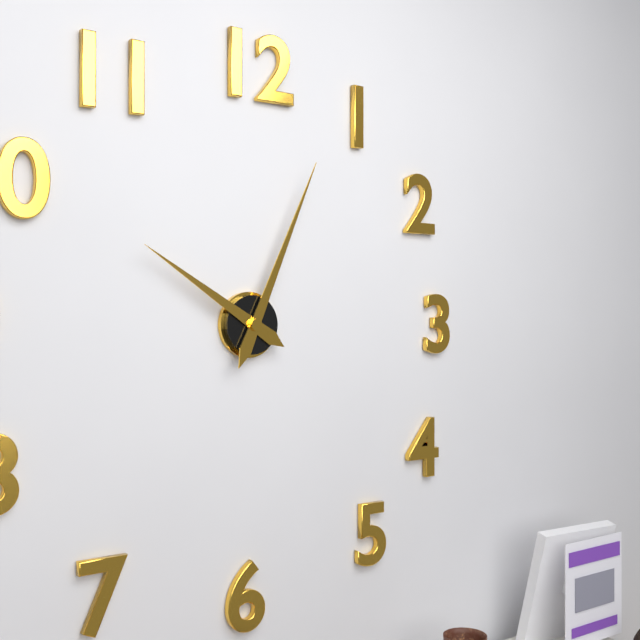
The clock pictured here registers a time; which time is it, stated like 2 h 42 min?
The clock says 10 h 04 min
